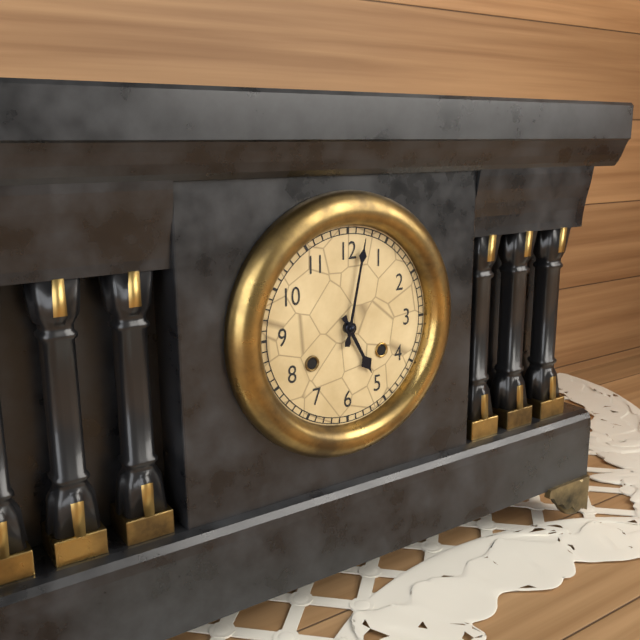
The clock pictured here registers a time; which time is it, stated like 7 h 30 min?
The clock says 5 h 02 min
